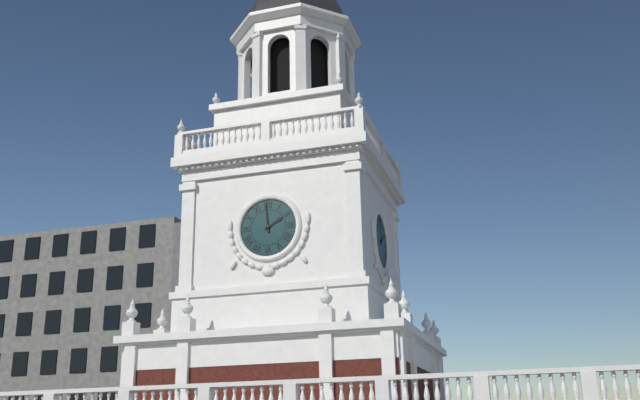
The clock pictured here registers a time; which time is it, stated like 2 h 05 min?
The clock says 1 h 59 min
